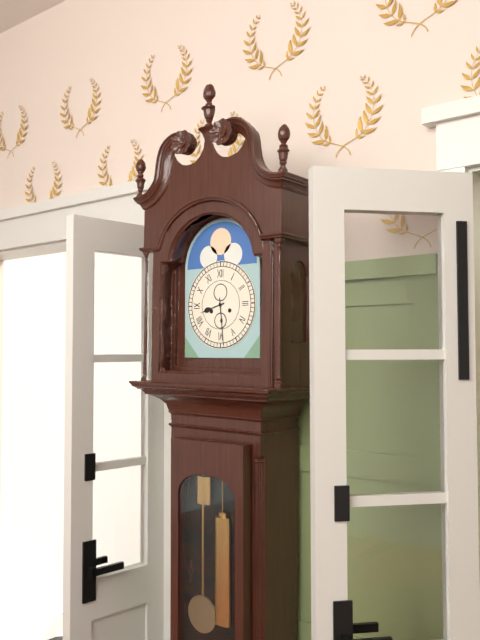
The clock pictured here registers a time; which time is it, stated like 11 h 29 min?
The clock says 8 h 29 min
